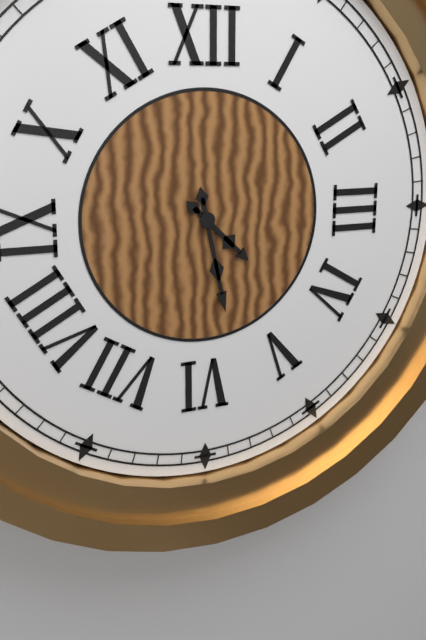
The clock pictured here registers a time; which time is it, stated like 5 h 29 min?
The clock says 4 h 28 min
